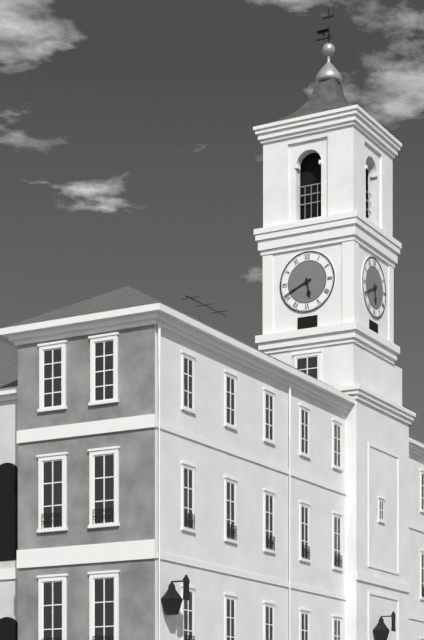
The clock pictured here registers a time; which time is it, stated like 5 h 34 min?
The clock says 5 h 41 min
